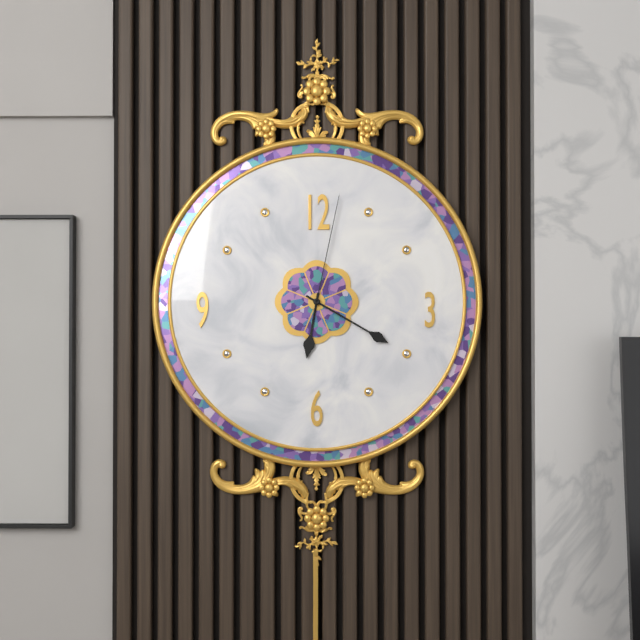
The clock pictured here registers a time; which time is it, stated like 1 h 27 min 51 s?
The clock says 6 h 20 min 02 s
